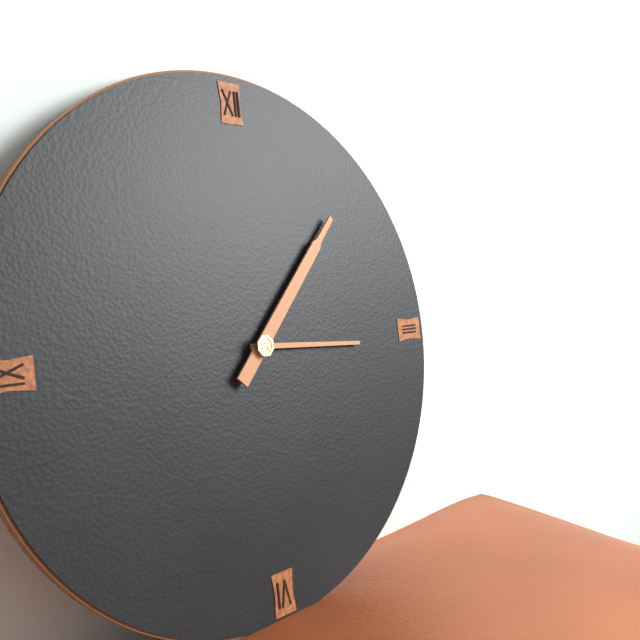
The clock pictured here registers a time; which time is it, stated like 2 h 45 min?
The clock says 3 h 07 min
